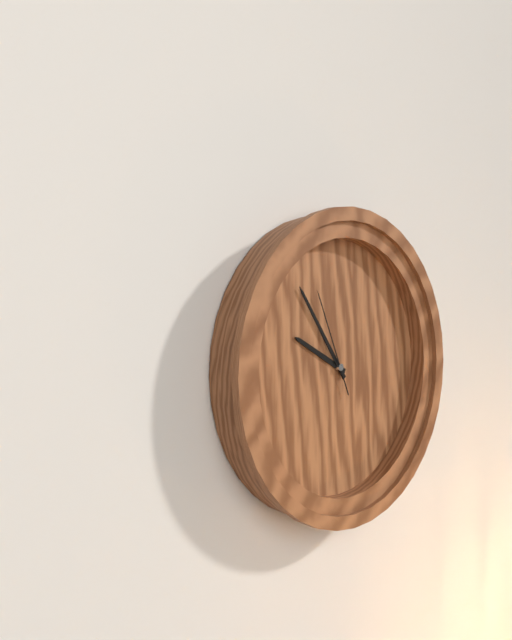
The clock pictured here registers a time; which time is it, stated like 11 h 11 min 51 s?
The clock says 9 h 54 min 56 s
